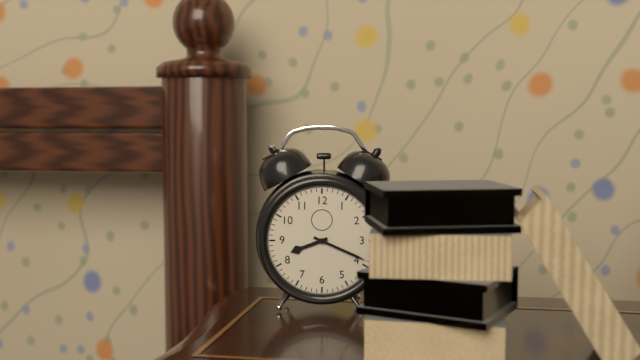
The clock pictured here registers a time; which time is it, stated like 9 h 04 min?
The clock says 8 h 19 min
